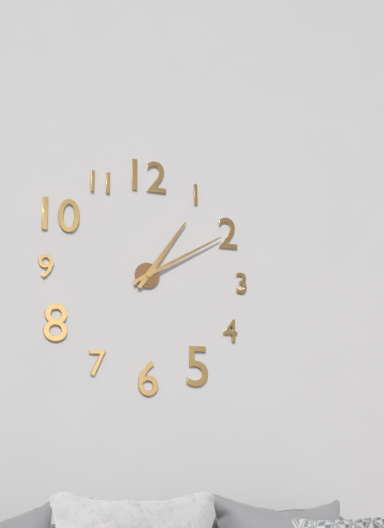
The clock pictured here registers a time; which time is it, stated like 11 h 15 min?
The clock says 1 h 10 min
